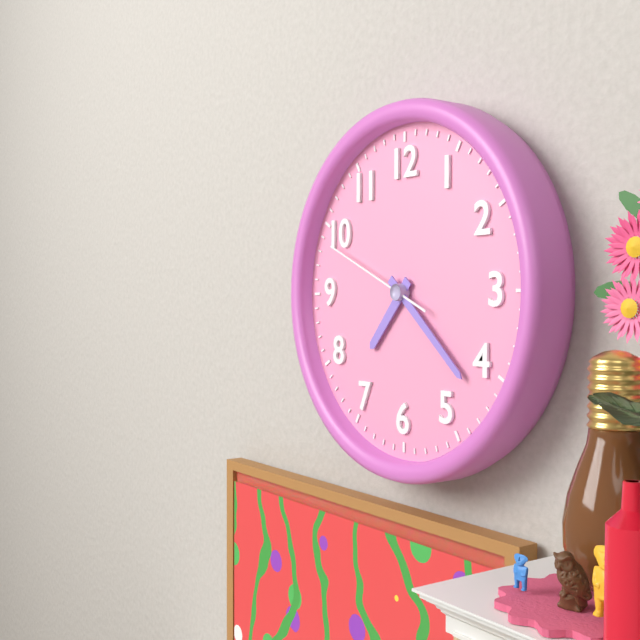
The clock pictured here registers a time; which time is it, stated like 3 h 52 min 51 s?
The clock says 7 h 22 min 49 s
